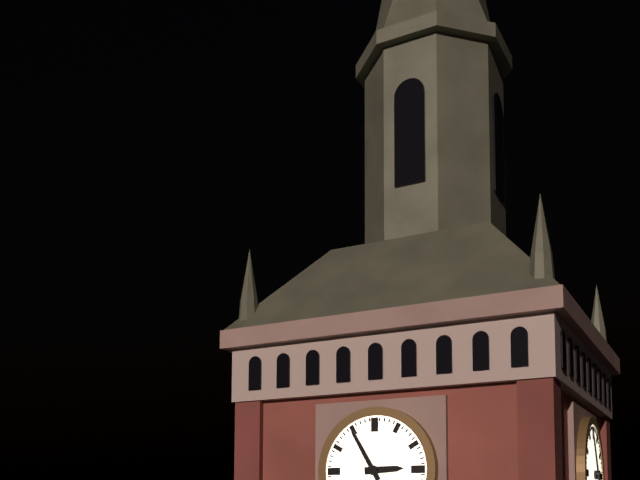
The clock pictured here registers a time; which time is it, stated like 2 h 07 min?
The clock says 2 h 55 min
